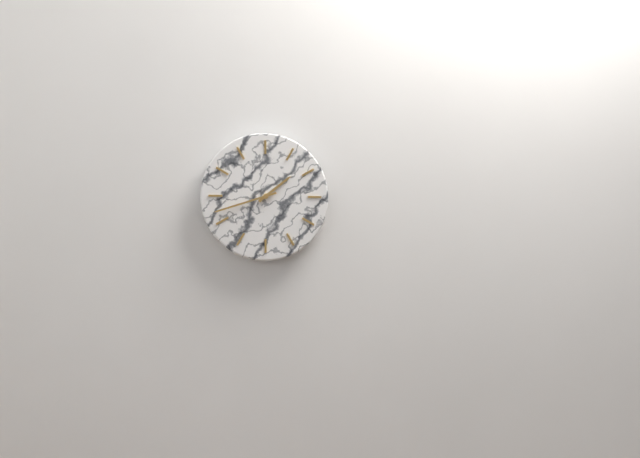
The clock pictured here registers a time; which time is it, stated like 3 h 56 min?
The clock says 1 h 42 min
